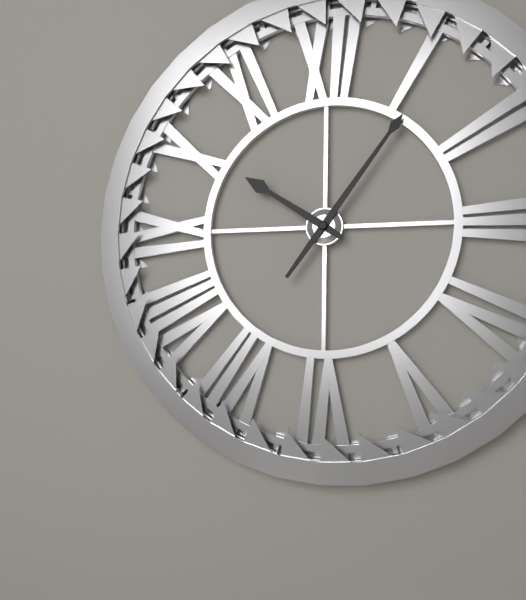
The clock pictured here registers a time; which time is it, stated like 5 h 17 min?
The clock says 10 h 06 min
